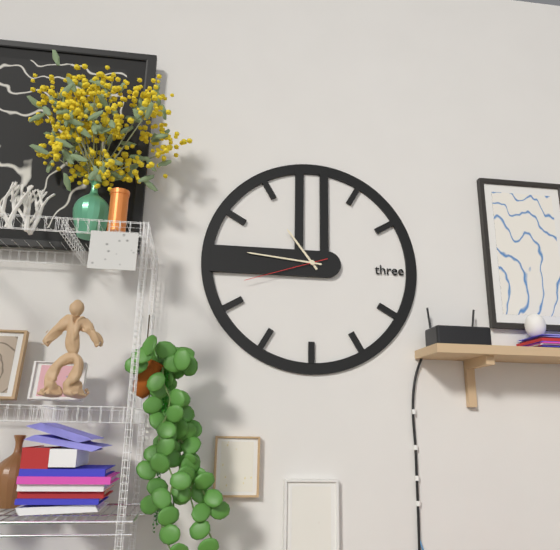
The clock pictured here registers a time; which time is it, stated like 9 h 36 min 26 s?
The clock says 10 h 46 min 42 s
